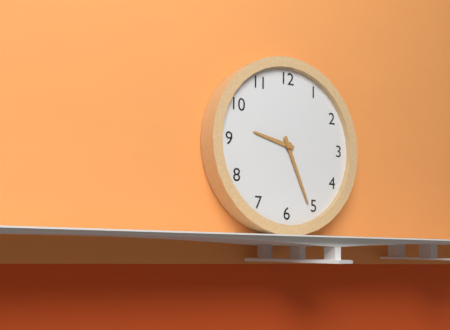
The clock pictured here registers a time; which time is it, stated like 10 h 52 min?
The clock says 9 h 26 min
